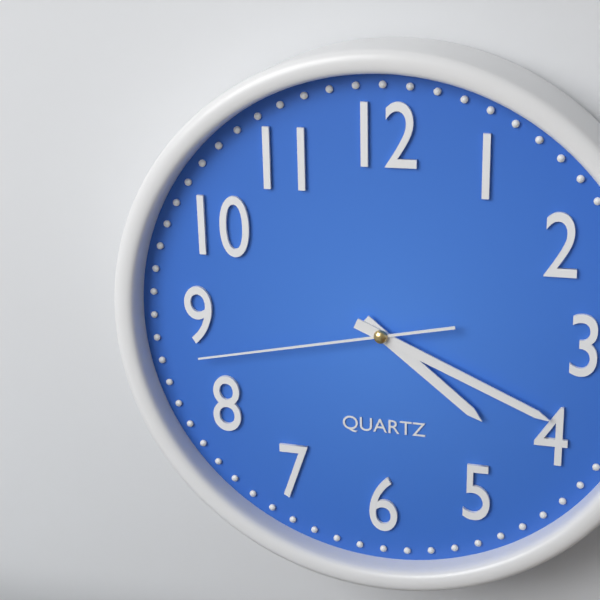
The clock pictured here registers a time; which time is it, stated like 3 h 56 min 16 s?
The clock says 4 h 19 min 43 s
